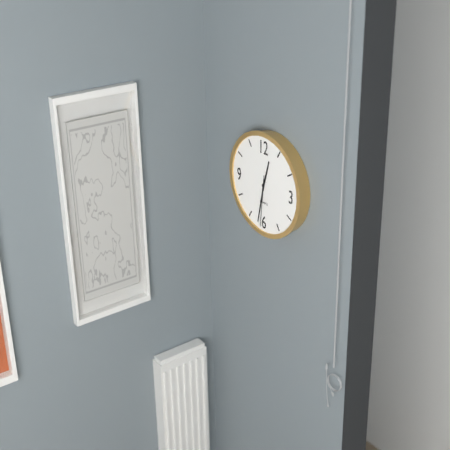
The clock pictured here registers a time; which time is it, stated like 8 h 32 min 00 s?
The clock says 12 h 32 min 31 s
